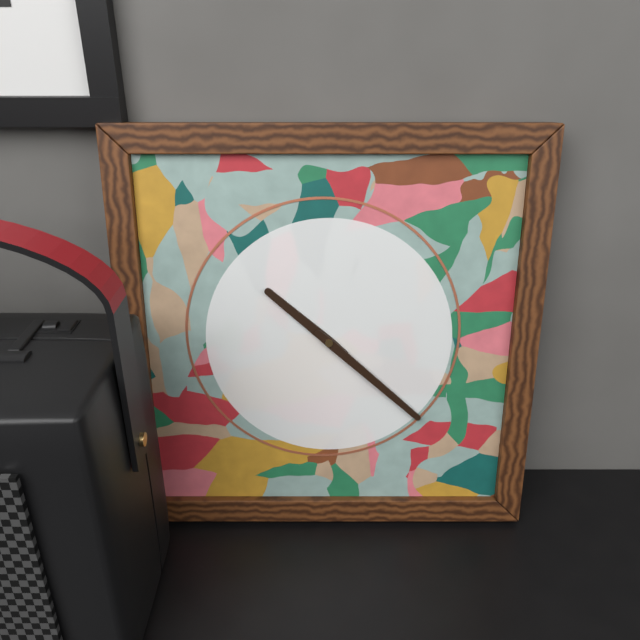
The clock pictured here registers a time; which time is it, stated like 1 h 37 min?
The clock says 10 h 22 min
